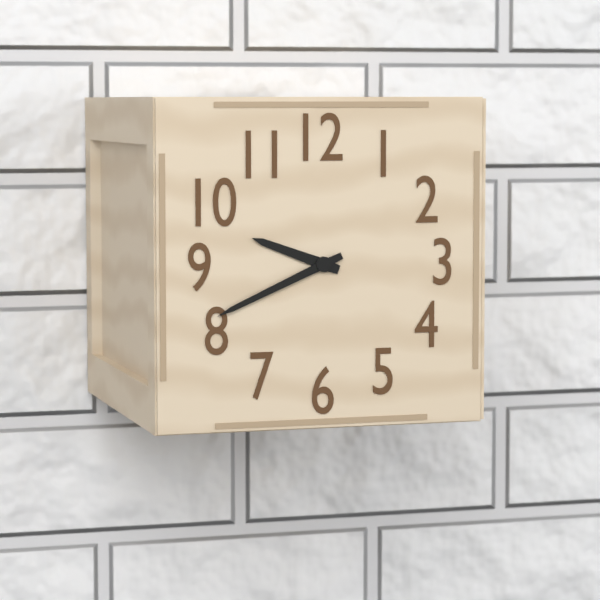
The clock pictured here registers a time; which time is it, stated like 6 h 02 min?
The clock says 9 h 41 min
